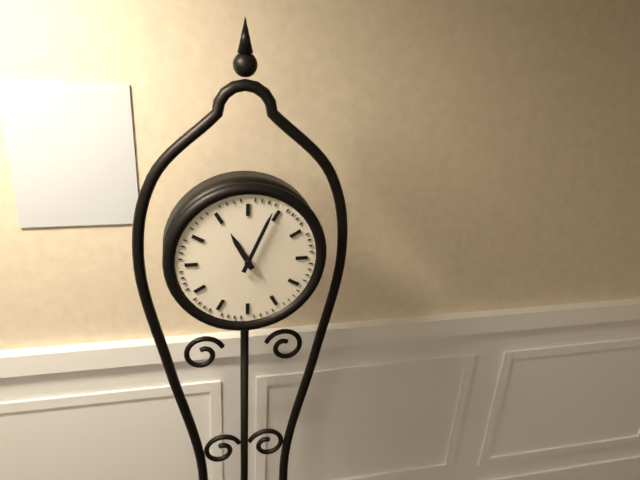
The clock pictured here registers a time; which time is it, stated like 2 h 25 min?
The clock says 11 h 04 min
